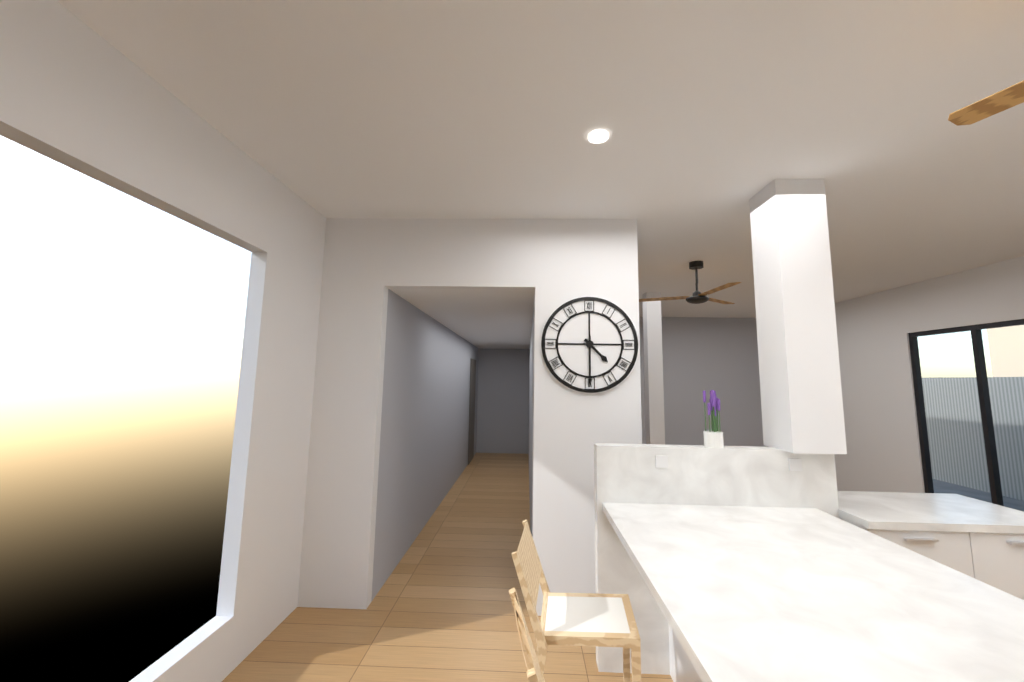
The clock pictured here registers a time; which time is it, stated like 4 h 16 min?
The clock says 4 h 30 min
